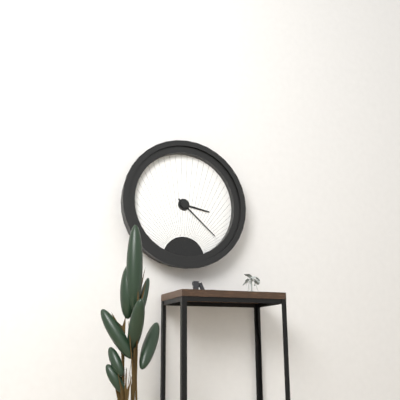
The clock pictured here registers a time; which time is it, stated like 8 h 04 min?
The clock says 3 h 22 min
